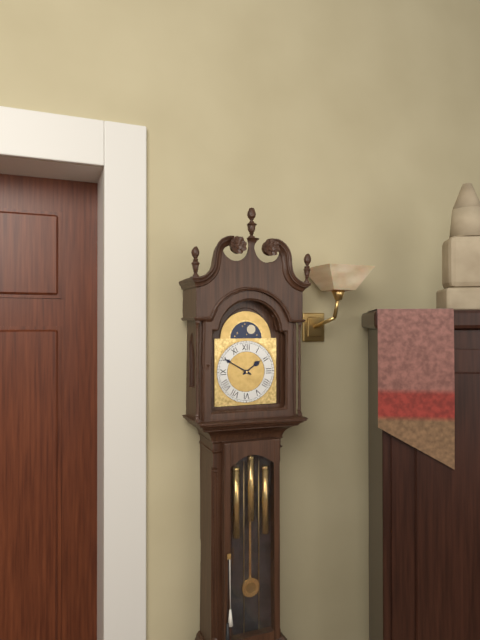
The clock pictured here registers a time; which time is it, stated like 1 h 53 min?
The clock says 1 h 50 min
